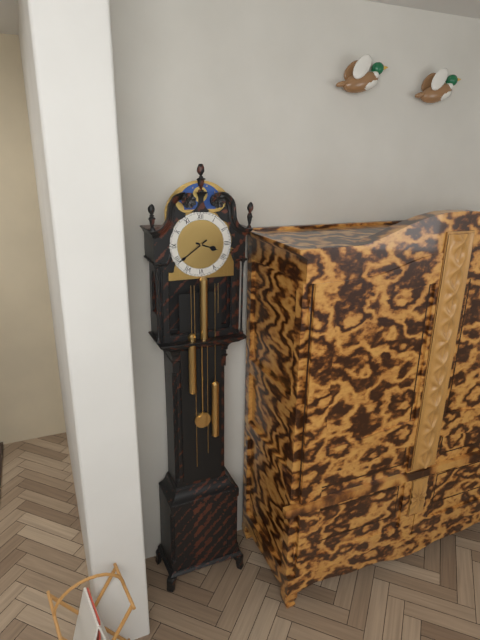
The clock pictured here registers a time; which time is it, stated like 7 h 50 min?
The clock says 3 h 39 min
